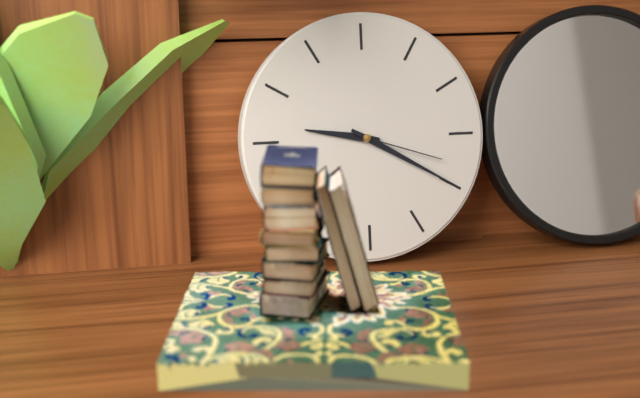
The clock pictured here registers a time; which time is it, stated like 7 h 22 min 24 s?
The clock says 9 h 20 min 18 s
